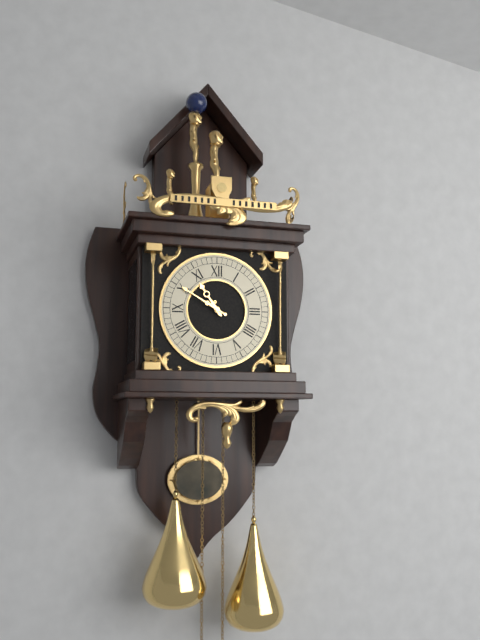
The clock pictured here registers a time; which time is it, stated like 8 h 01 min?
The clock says 10 h 50 min
